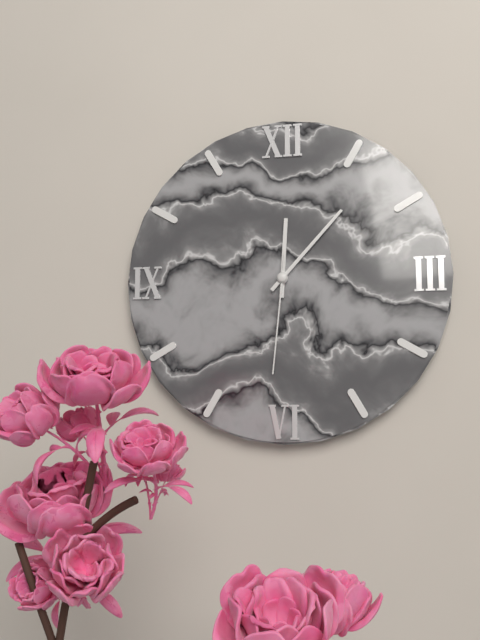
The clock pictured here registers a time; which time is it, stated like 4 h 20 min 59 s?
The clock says 12 h 07 min 31 s
